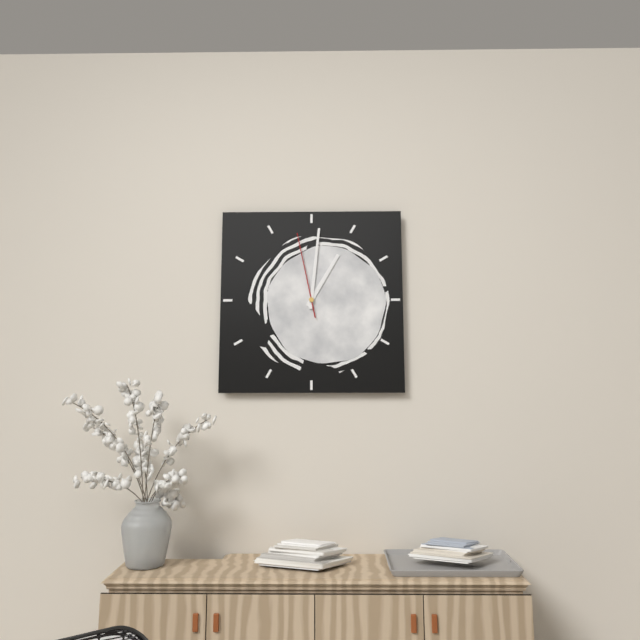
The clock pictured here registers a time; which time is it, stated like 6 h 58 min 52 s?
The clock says 1 h 01 min 58 s
